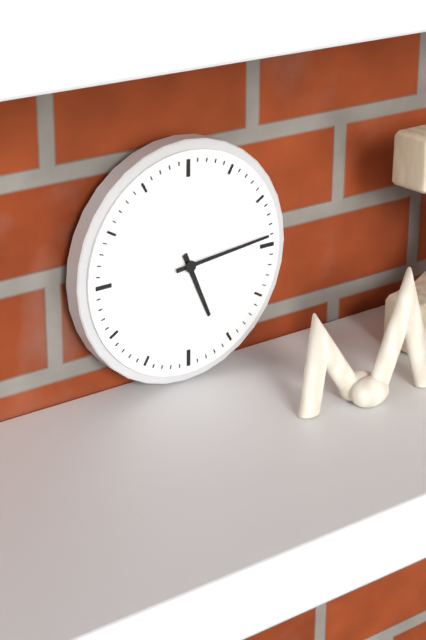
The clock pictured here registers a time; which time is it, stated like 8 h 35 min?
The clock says 5 h 14 min
